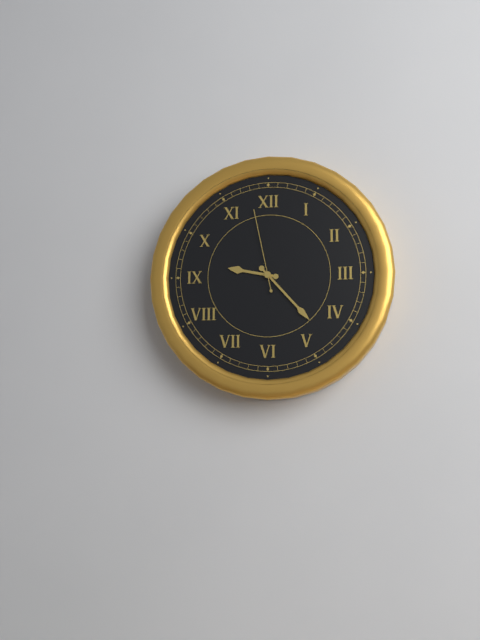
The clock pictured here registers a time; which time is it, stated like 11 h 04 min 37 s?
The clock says 9 h 23 min 58 s
